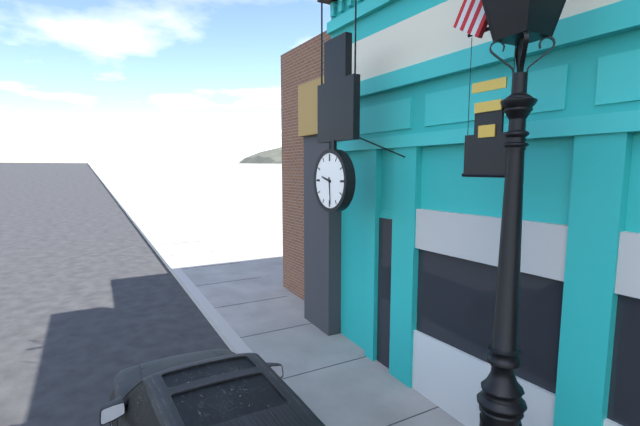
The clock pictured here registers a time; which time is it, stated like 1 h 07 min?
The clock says 9 h 29 min
